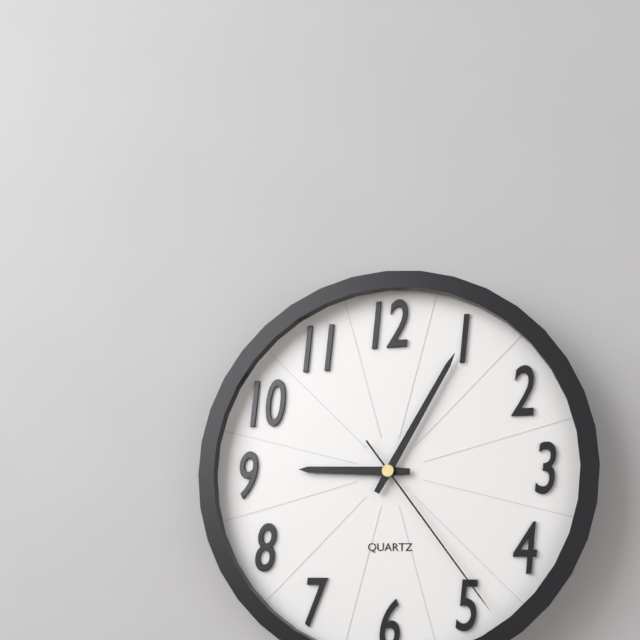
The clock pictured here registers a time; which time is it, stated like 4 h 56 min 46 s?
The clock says 9 h 05 min 24 s
